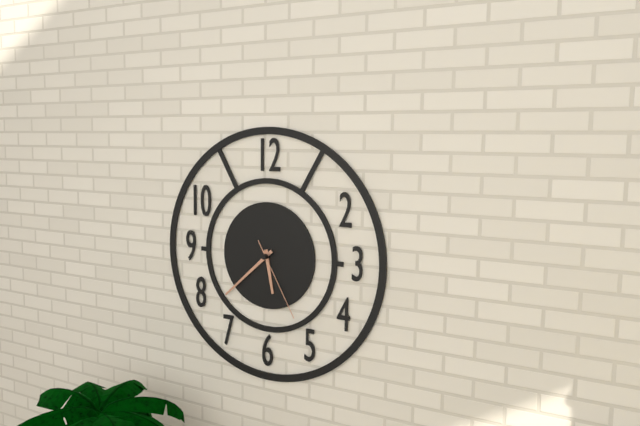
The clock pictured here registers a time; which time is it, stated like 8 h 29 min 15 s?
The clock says 5 h 38 min 25 s
